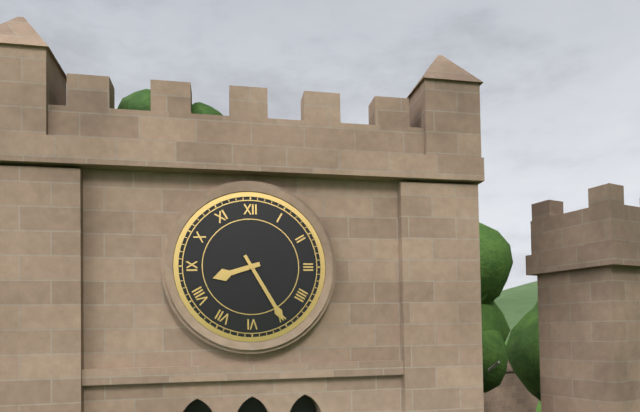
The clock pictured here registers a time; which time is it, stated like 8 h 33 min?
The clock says 8 h 25 min
